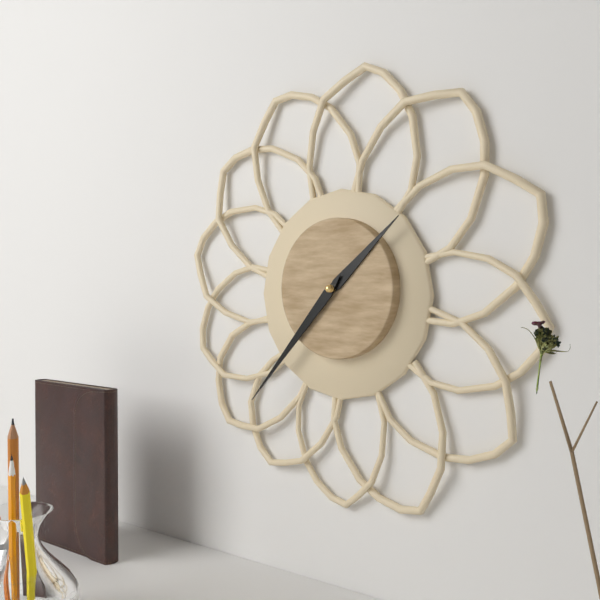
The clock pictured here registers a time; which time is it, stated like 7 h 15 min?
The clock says 1 h 37 min
